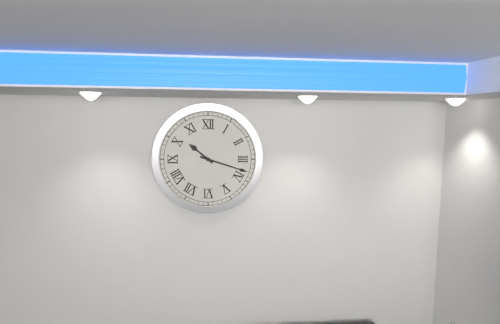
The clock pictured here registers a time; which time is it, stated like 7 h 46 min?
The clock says 10 h 18 min
